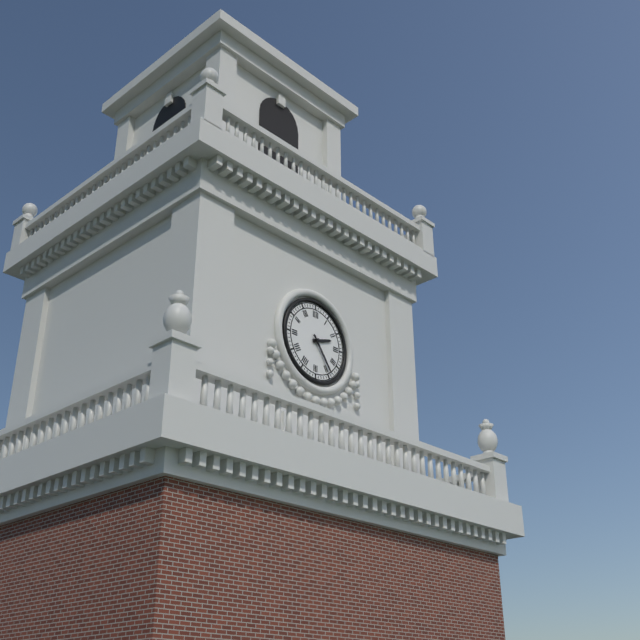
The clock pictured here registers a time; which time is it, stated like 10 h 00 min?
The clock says 2 h 24 min
